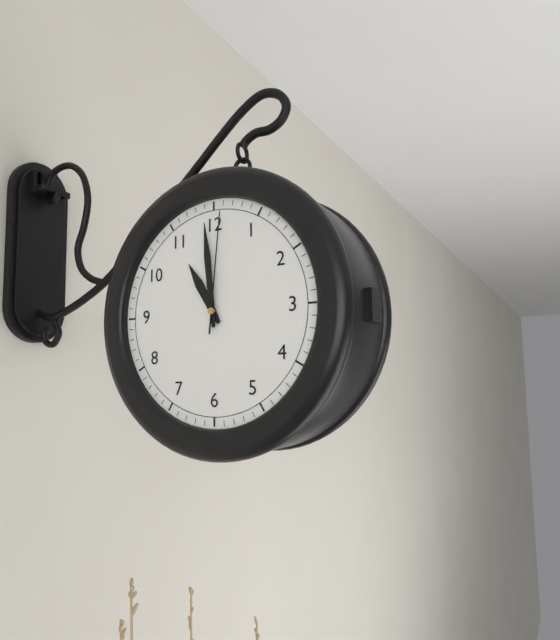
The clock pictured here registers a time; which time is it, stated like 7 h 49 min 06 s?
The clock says 10 h 59 min 01 s
